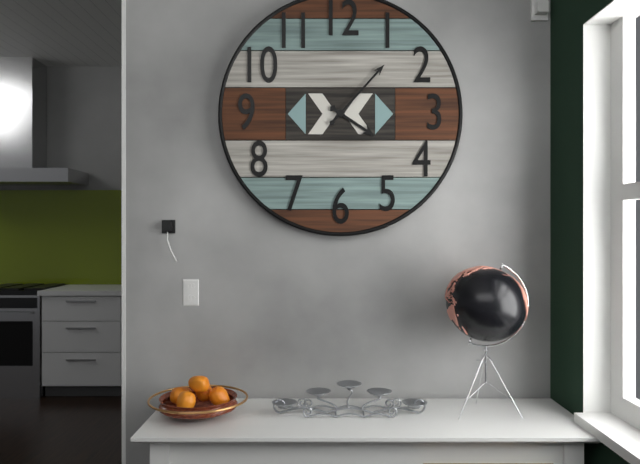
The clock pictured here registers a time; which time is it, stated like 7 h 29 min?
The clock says 4 h 07 min
